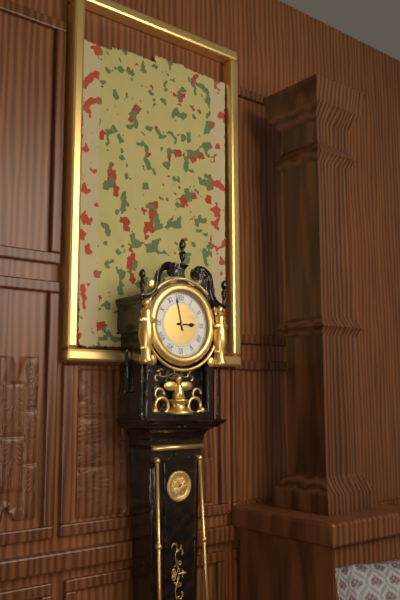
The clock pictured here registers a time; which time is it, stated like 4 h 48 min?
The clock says 2 h 58 min
